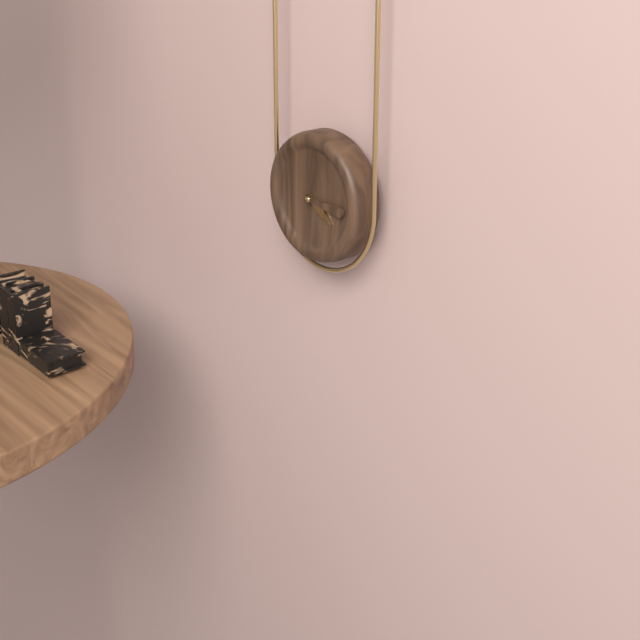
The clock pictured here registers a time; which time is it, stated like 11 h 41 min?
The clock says 4 h 16 min
